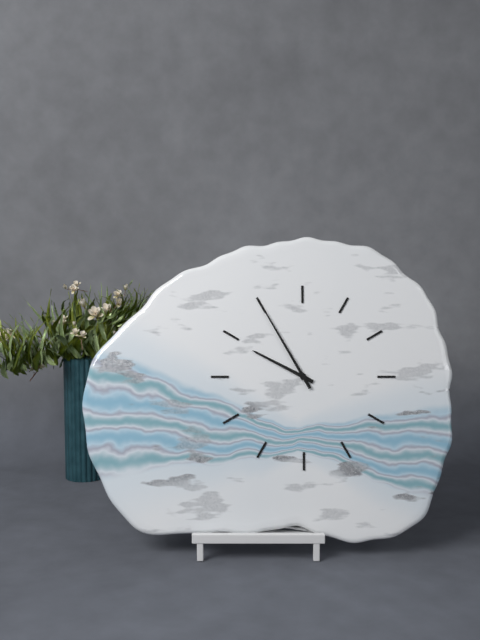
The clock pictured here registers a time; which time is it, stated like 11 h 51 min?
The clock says 9 h 55 min
